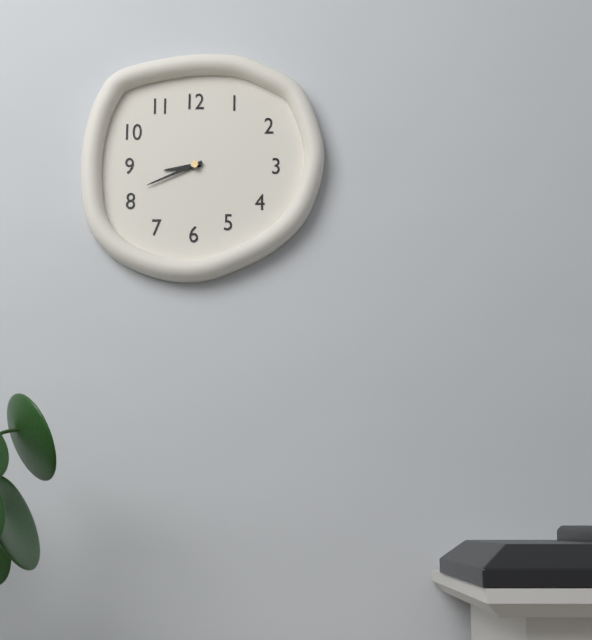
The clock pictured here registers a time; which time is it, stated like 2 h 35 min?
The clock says 8 h 41 min
